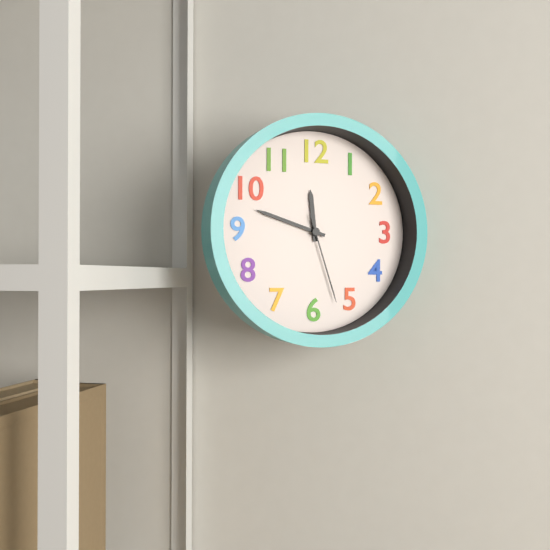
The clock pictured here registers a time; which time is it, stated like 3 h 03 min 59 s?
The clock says 11 h 48 min 27 s
